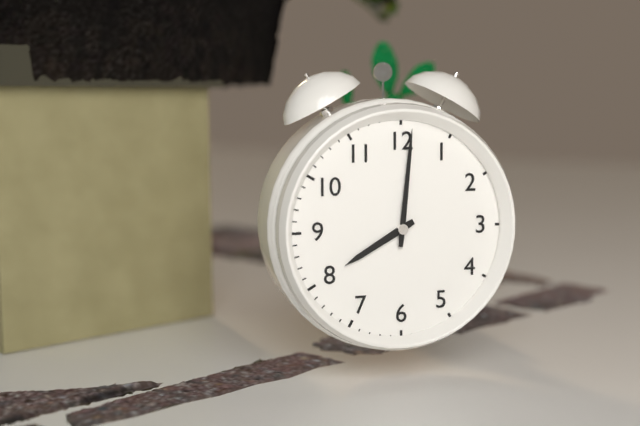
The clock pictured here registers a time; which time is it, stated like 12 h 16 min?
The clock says 8 h 01 min
